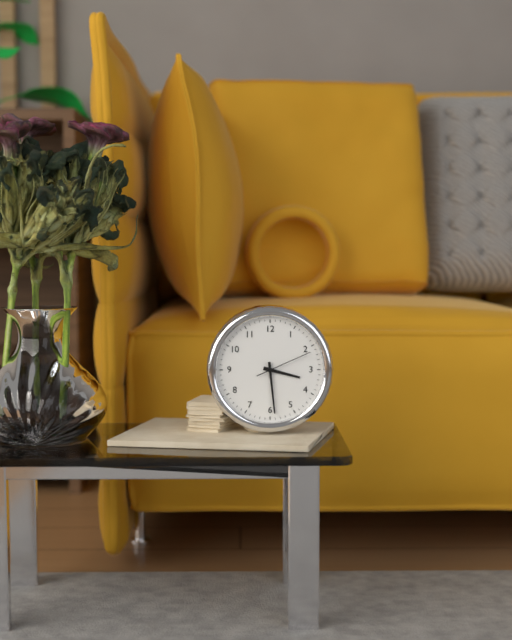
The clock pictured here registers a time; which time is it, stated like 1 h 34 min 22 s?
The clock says 3 h 29 min 11 s
